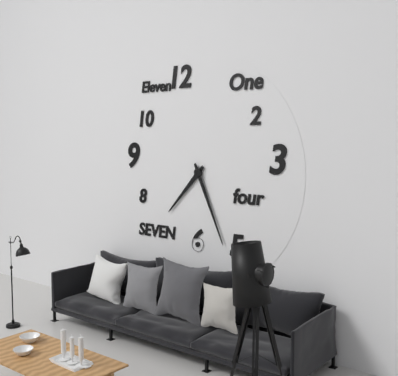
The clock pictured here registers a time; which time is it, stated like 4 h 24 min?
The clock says 7 h 26 min
